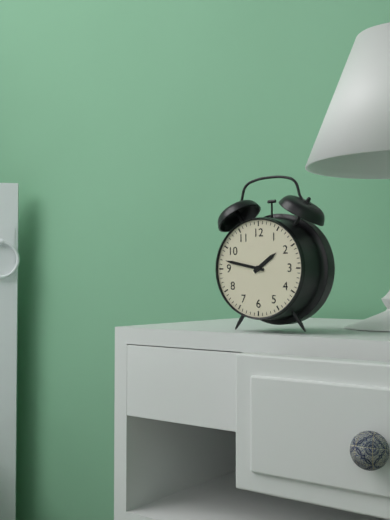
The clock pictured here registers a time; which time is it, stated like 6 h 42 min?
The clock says 1 h 47 min
